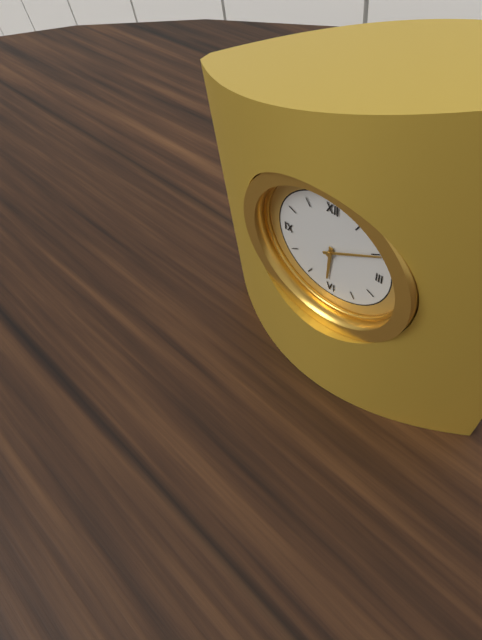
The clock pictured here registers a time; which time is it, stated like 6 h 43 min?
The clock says 6 h 10 min
